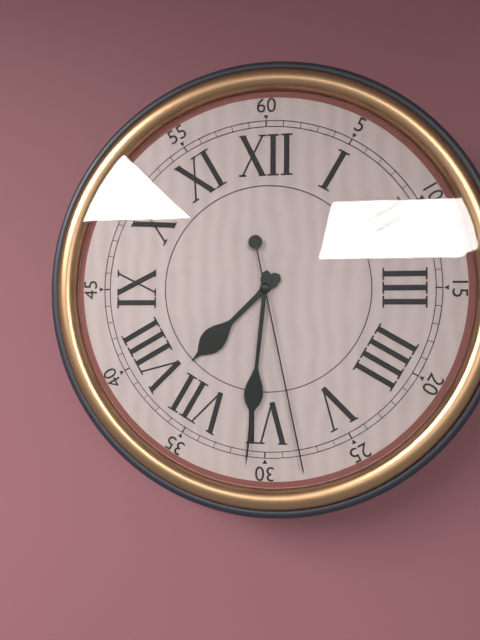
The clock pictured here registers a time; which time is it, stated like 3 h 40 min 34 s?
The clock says 7 h 31 min 28 s
